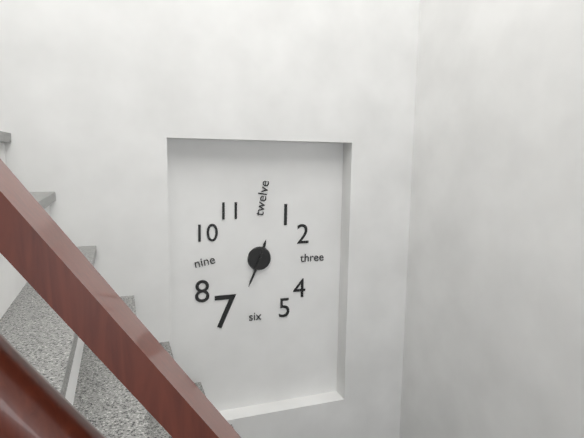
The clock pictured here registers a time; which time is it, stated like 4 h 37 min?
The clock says 12 h 34 min
